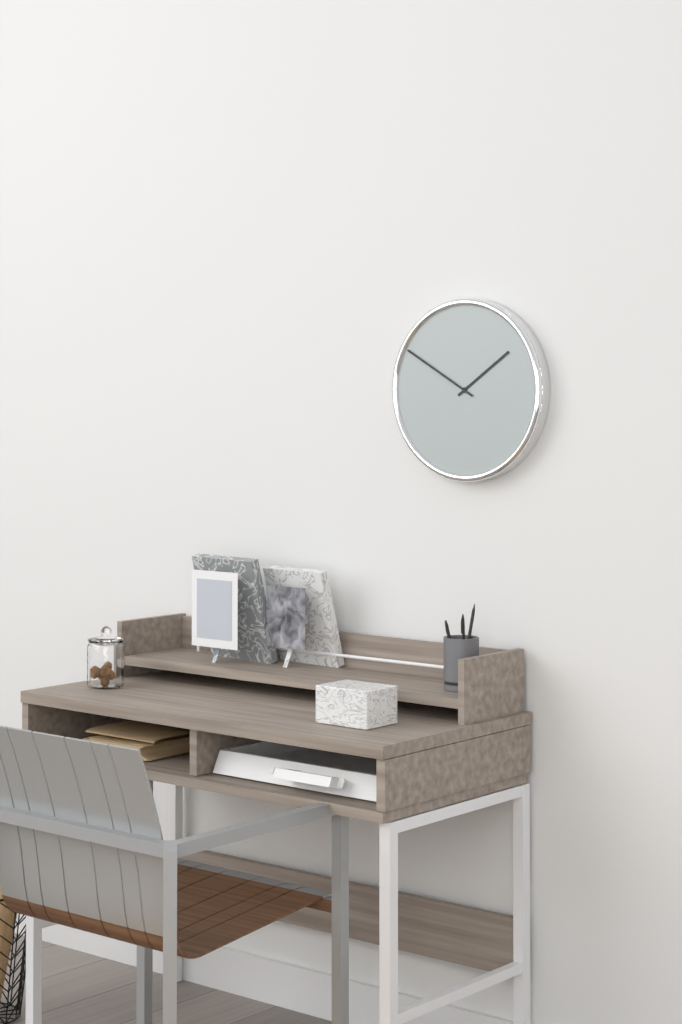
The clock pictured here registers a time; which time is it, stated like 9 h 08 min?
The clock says 1 h 50 min
